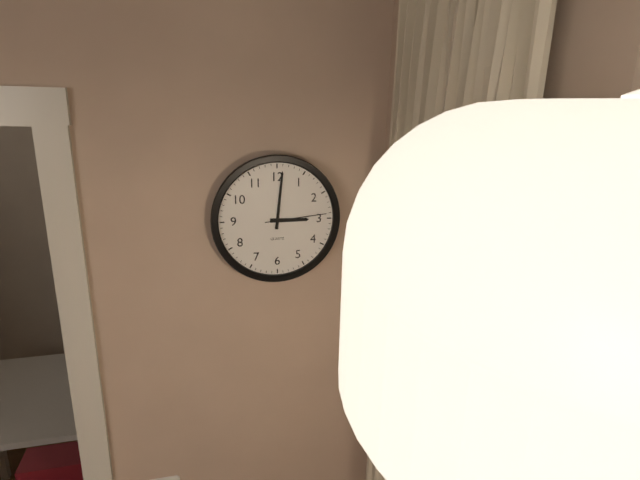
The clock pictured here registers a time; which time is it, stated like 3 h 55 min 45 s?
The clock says 3 h 01 min 14 s
